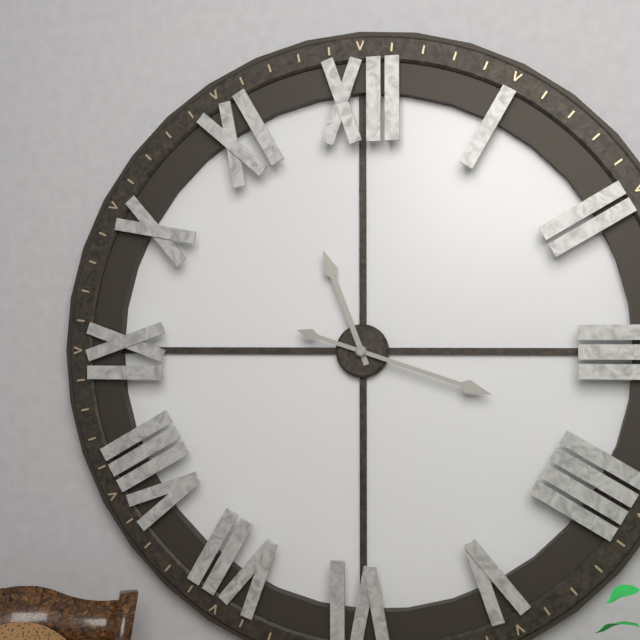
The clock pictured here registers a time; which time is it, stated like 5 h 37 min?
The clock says 11 h 18 min
